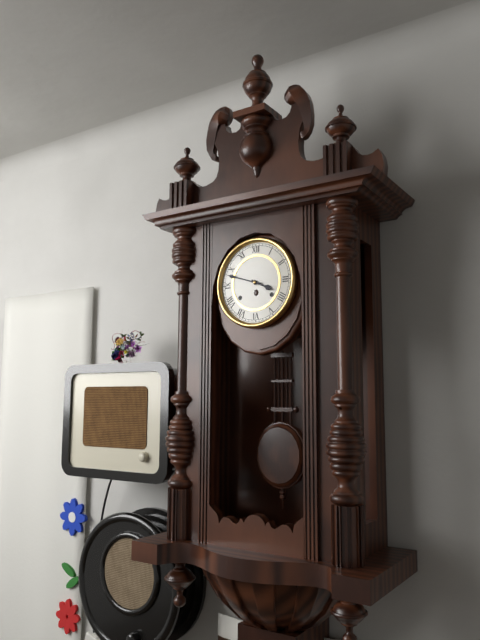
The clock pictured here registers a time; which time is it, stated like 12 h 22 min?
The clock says 3 h 48 min
